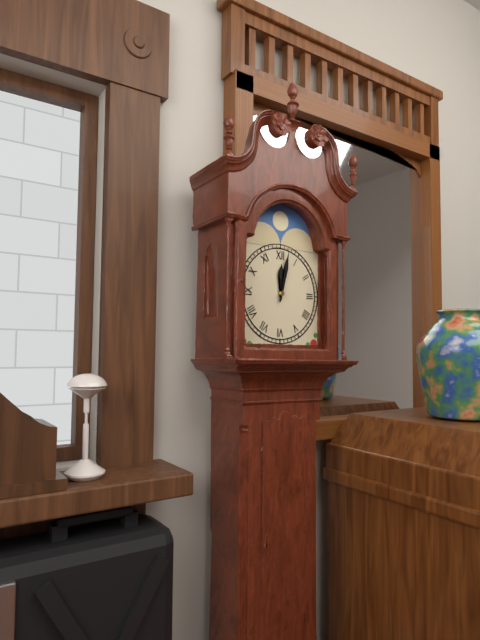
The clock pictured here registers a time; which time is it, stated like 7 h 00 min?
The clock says 12 h 02 min
